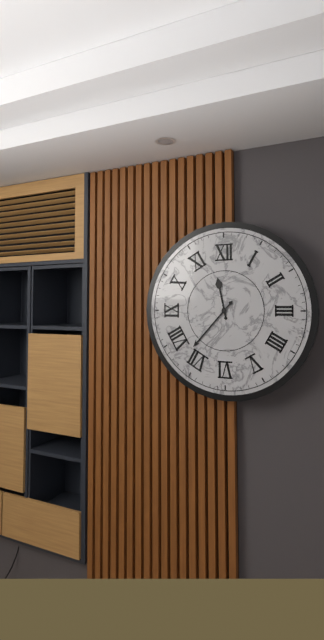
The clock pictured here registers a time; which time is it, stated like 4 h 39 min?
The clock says 11 h 37 min
